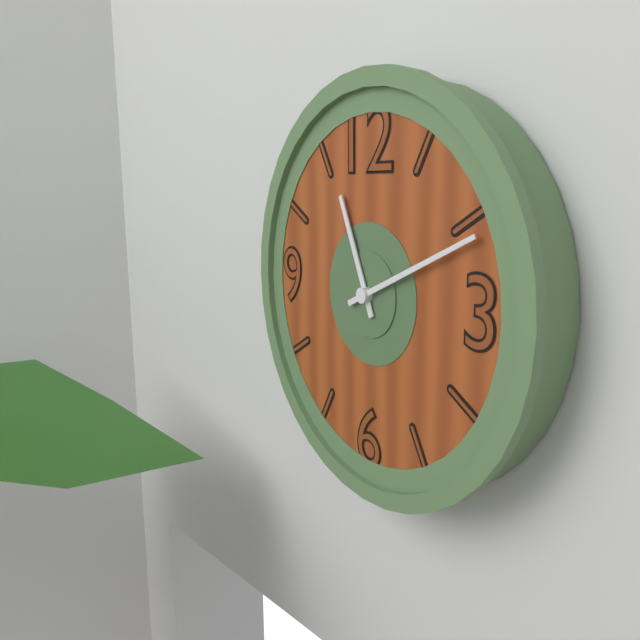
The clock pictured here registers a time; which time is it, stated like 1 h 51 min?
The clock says 11 h 11 min
